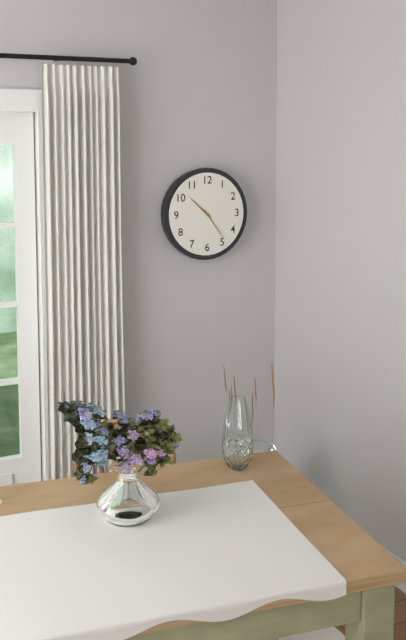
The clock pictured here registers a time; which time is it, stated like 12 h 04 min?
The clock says 10 h 24 min
